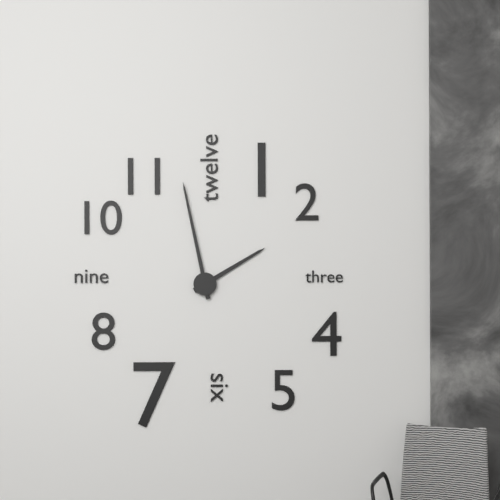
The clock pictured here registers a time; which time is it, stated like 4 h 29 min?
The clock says 1 h 58 min
